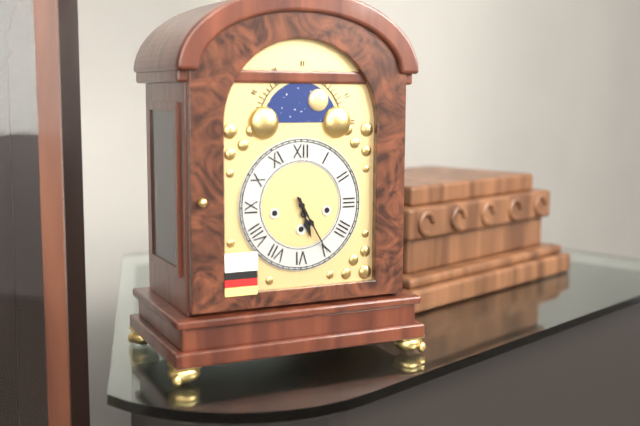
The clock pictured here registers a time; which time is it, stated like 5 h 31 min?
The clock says 5 h 25 min
